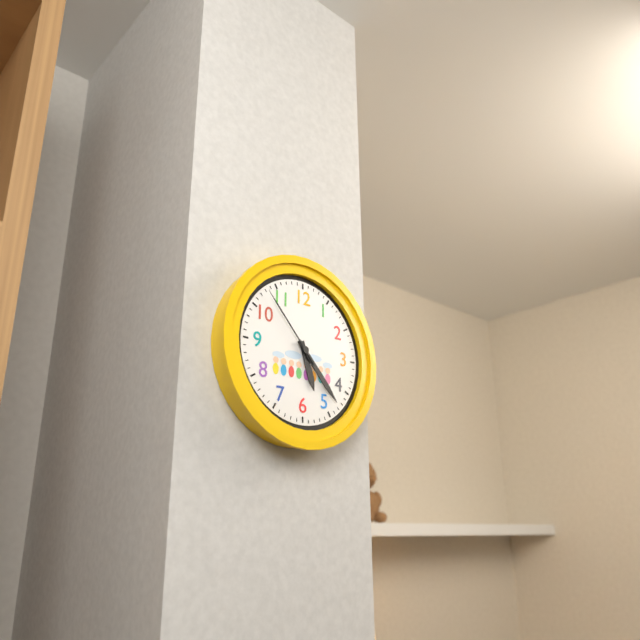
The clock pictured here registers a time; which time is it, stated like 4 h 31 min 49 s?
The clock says 5 h 23 min 53 s
